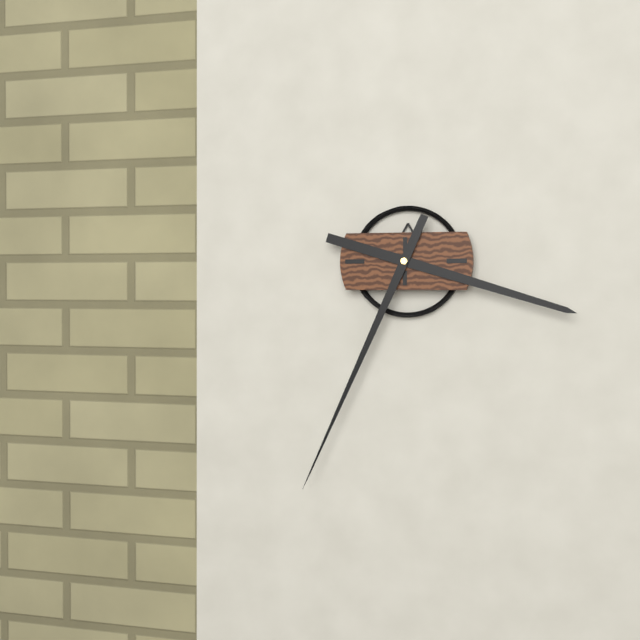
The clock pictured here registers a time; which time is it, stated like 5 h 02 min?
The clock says 3 h 34 min
